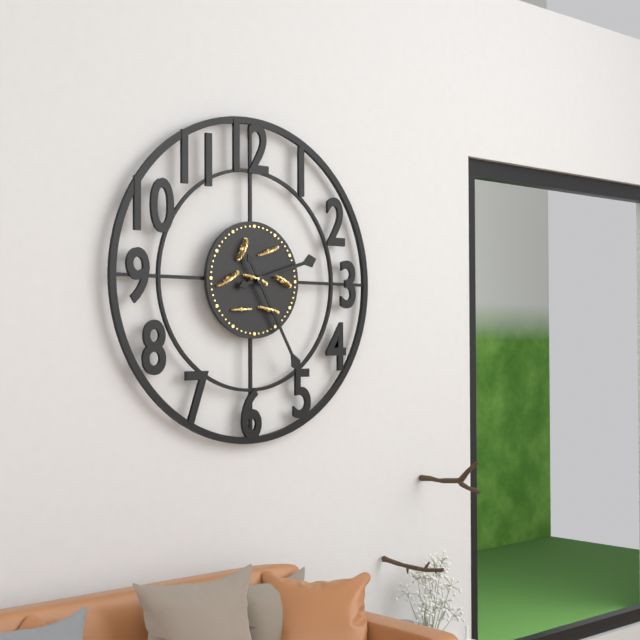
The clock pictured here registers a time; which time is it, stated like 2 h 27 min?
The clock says 2 h 25 min
